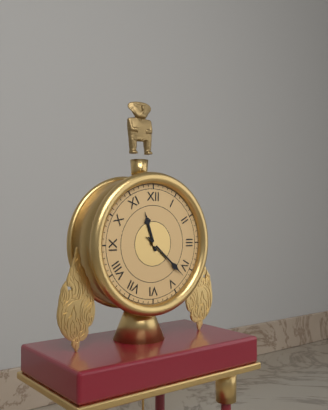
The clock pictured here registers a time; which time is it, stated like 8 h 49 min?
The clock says 11 h 22 min
